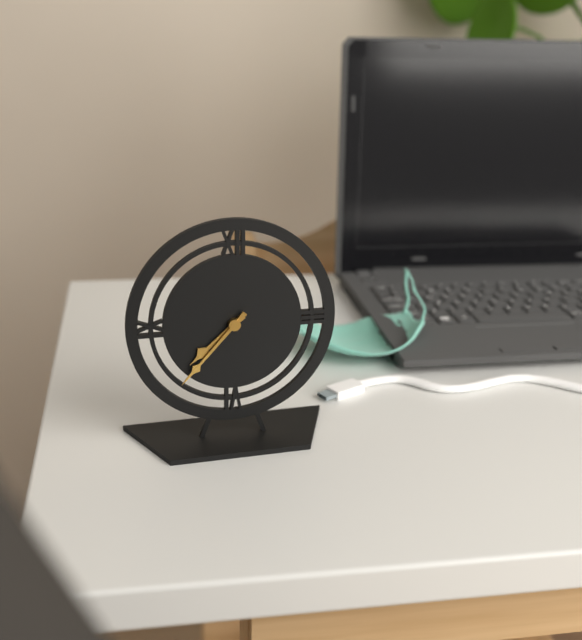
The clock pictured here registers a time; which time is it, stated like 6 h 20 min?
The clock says 7 h 37 min
